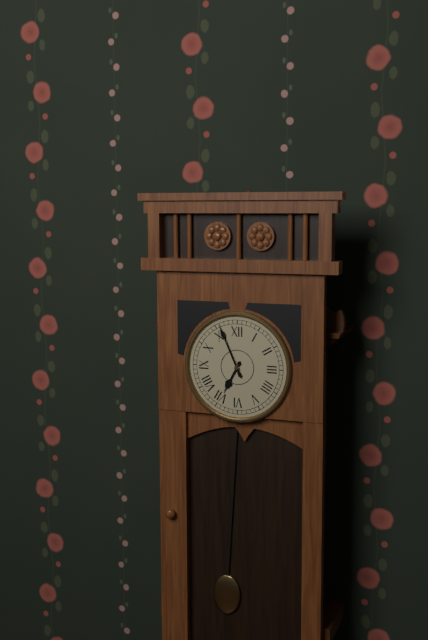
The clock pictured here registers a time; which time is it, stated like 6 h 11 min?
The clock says 6 h 56 min
